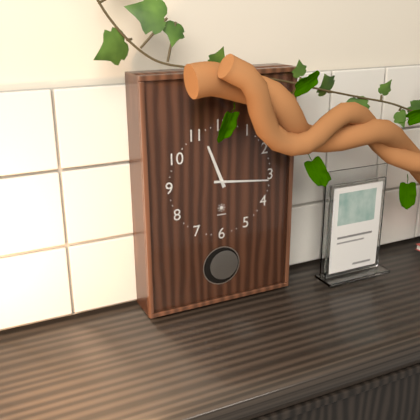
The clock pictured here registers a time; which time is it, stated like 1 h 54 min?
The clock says 11 h 16 min
